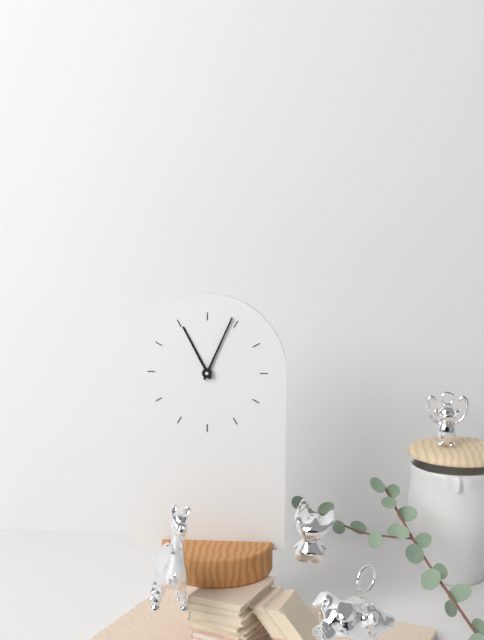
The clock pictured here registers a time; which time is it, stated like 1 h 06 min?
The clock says 11 h 04 min
